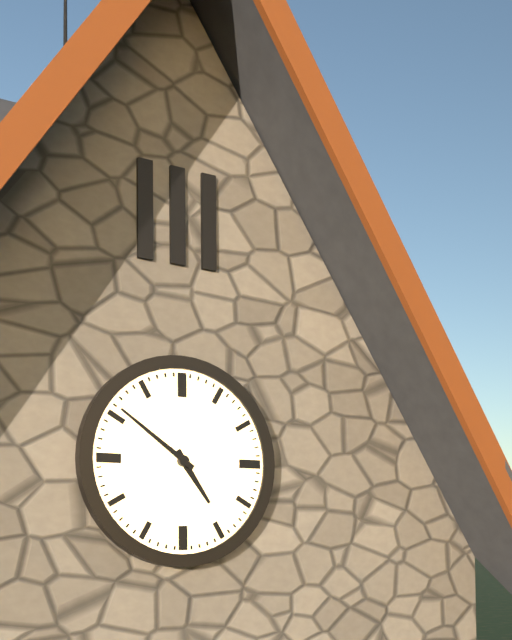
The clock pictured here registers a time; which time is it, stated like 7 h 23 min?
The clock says 4 h 51 min
